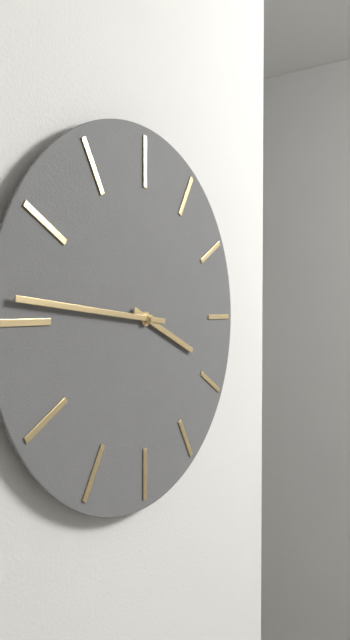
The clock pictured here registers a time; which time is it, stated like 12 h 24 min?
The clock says 3 h 46 min
